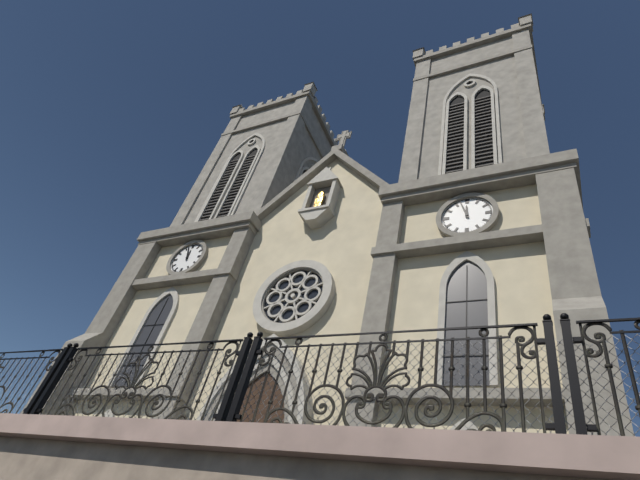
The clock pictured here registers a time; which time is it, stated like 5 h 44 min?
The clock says 11 h 57 min
